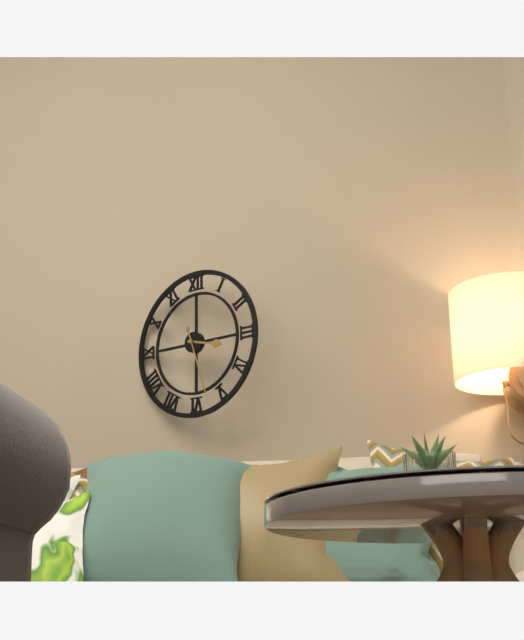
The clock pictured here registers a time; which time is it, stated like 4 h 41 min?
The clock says 3 h 27 min
